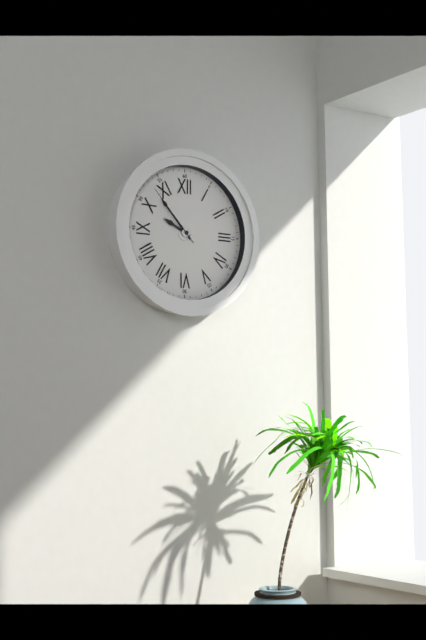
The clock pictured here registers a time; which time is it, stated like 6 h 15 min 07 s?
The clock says 9 h 53 min 53 s
